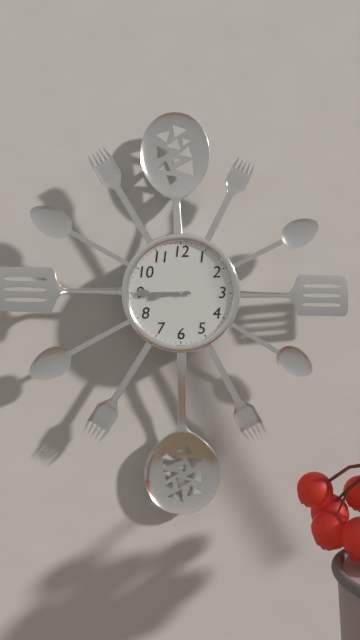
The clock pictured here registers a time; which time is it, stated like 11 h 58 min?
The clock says 8 h 45 min
